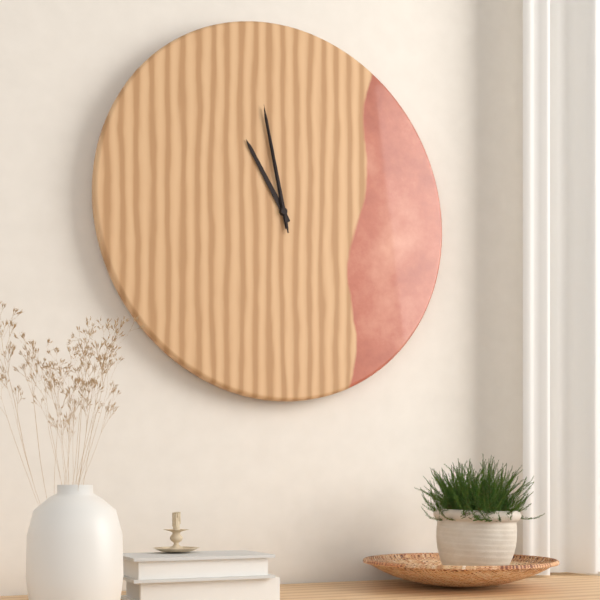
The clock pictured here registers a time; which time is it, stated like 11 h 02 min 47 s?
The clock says 10 h 58 min 58 s
